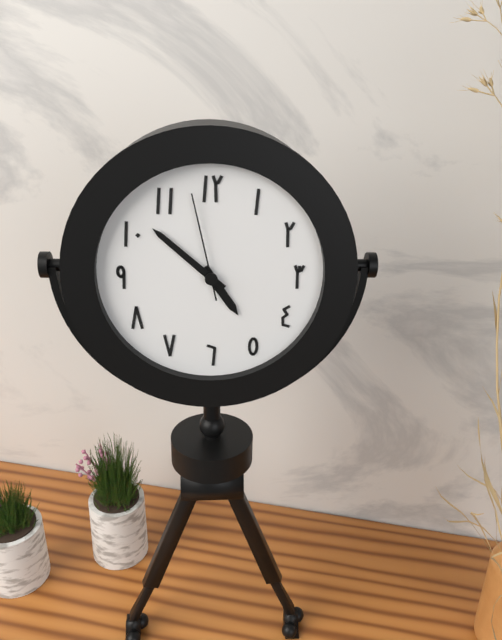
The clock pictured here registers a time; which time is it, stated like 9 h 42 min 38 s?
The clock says 4 h 52 min 58 s
